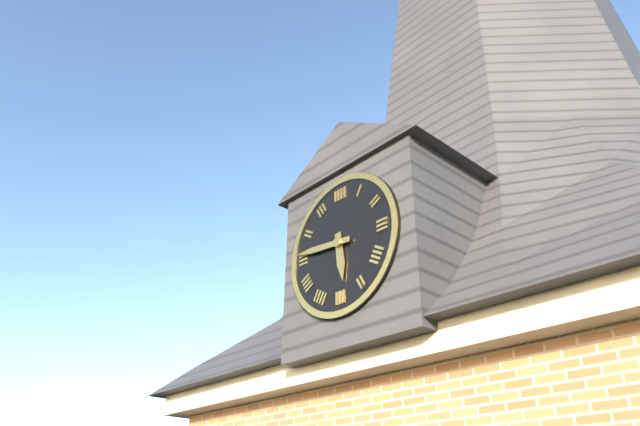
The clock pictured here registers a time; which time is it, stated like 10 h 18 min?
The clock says 5 h 46 min
